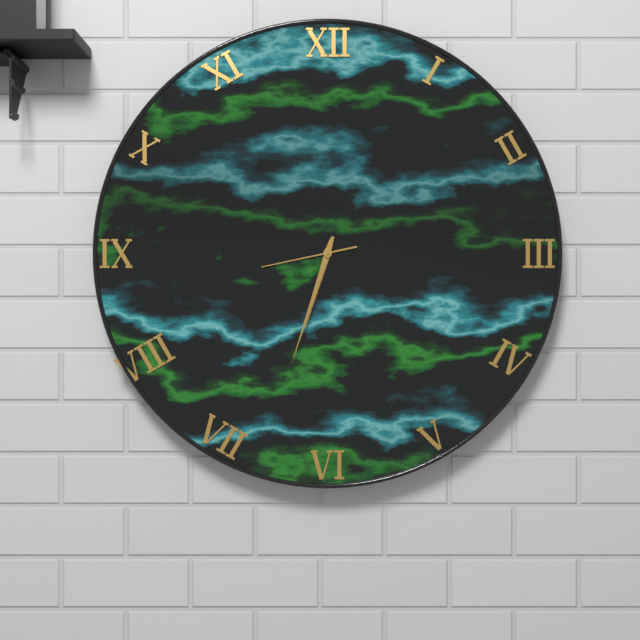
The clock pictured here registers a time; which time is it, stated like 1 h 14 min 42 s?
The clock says 6 h 33 min 43 s
